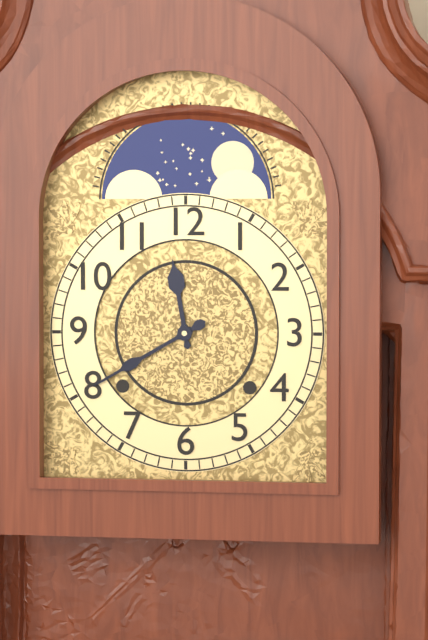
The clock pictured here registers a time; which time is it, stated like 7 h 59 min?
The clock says 11 h 40 min
